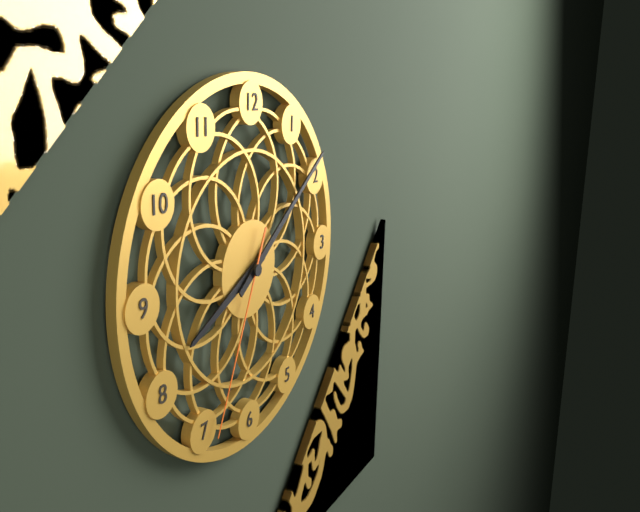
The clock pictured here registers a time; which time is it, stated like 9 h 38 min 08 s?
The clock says 8 h 09 min 34 s
